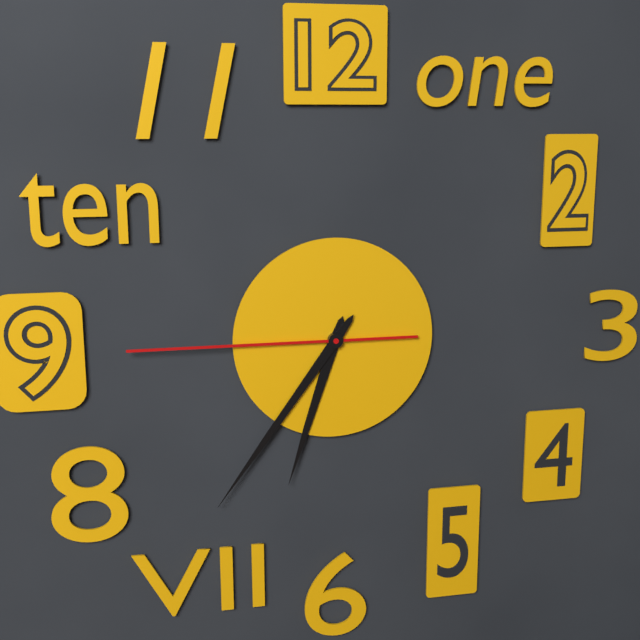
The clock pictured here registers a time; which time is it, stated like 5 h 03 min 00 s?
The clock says 6 h 36 min 45 s
